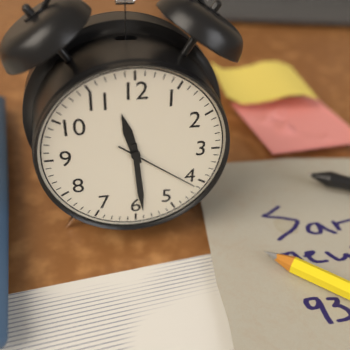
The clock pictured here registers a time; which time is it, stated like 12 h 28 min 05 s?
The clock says 11 h 29 min 21 s
